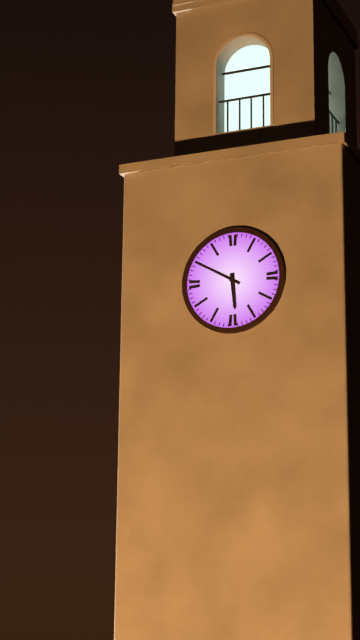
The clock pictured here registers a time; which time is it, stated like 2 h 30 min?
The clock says 5 h 50 min
